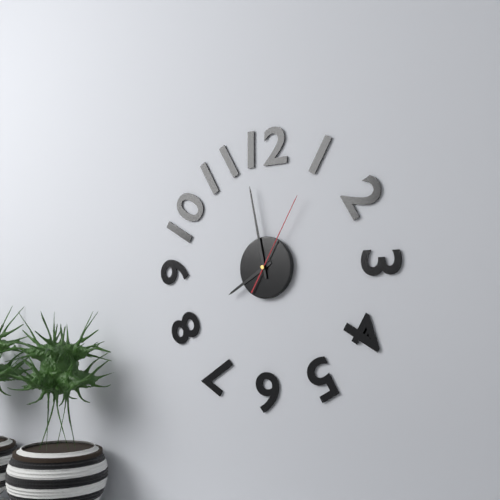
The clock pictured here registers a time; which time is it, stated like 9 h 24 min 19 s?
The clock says 7 h 58 min 05 s
